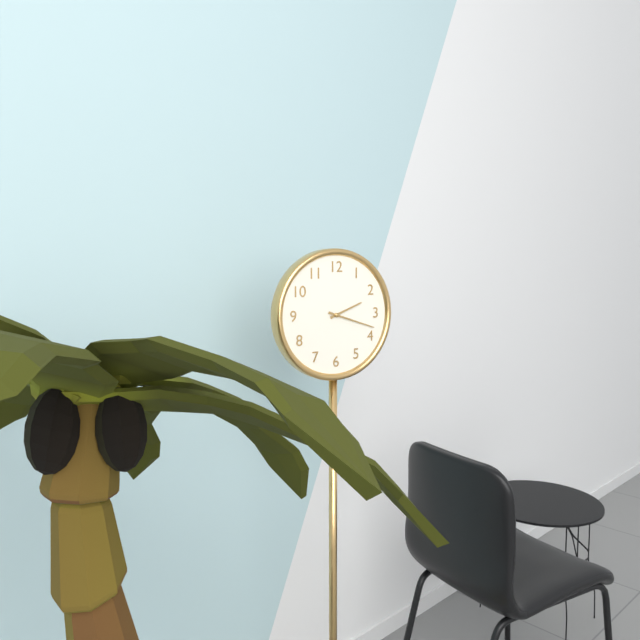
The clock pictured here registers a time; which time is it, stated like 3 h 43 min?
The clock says 2 h 18 min
